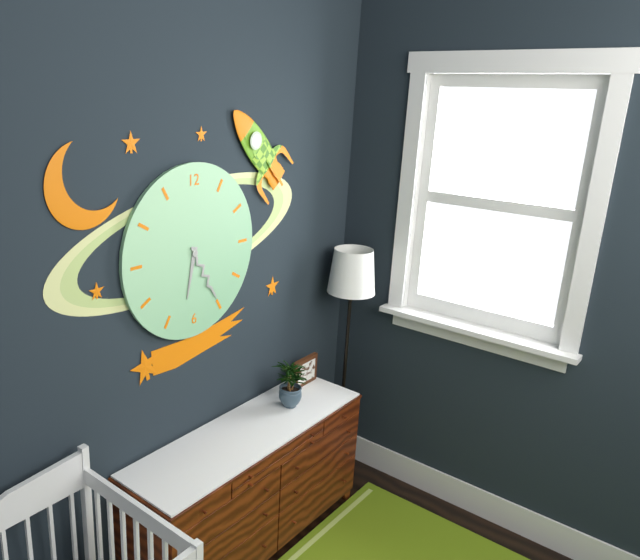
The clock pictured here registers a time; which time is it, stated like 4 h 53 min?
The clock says 6 h 25 min
